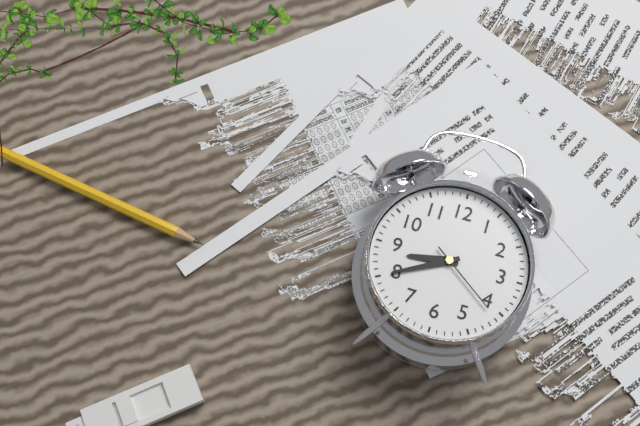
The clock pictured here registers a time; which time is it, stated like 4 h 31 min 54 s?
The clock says 8 h 40 min 21 s
